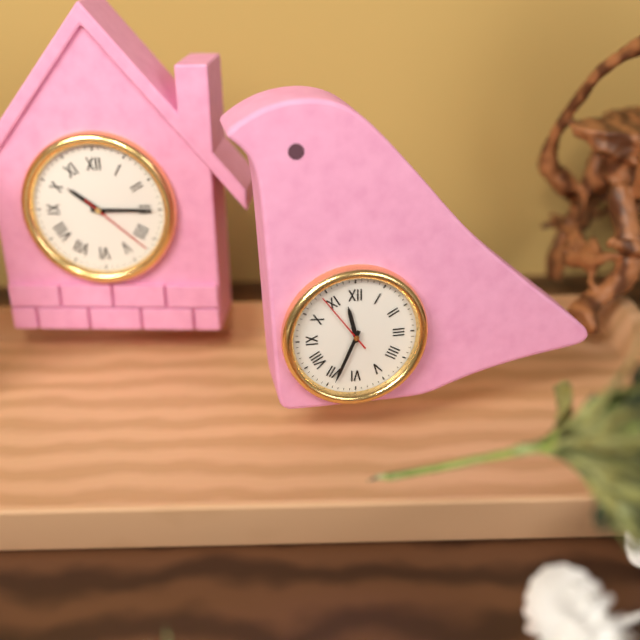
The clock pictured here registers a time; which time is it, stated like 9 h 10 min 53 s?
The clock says 11 h 34 min 54 s
